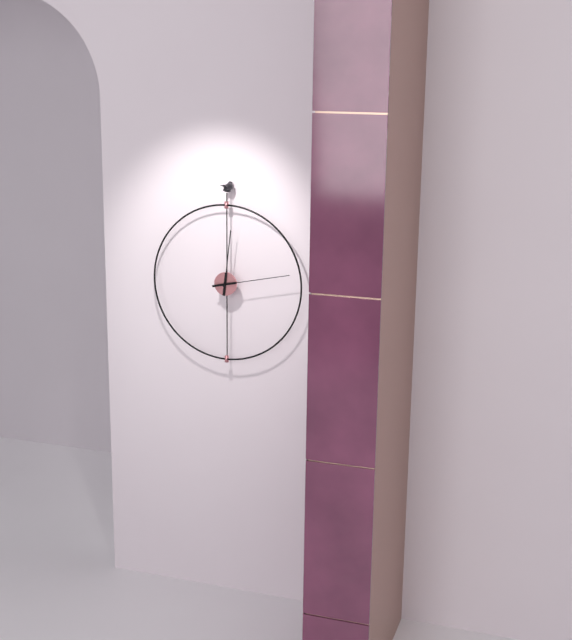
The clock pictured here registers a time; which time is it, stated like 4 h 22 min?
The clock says 12 h 13 min
